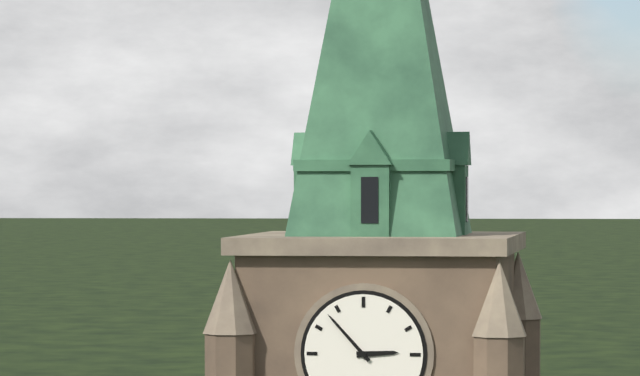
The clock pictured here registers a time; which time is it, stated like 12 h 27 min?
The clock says 2 h 53 min
